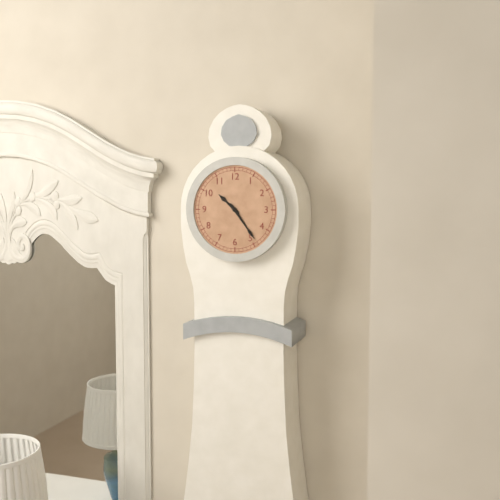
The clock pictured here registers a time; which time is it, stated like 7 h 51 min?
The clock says 10 h 24 min
